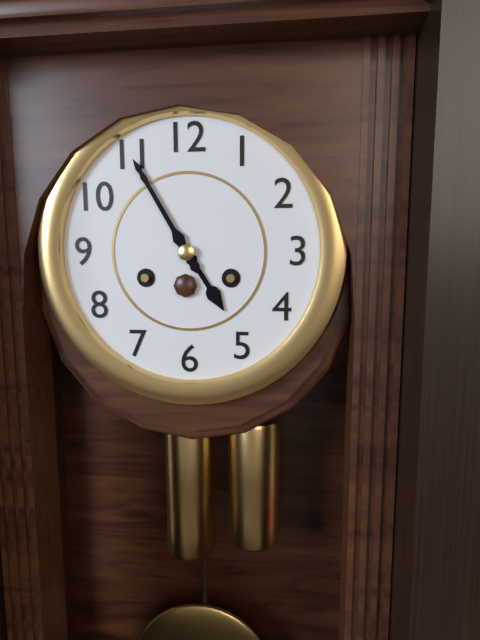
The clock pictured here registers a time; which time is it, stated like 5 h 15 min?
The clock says 4 h 55 min
